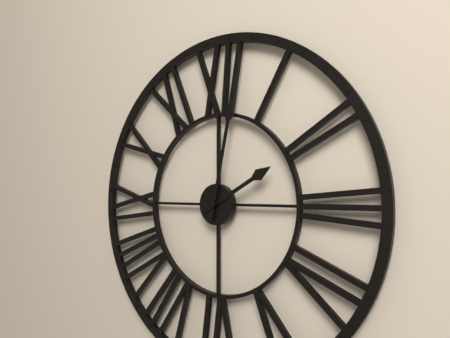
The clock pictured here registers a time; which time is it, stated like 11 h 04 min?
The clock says 2 h 02 min
